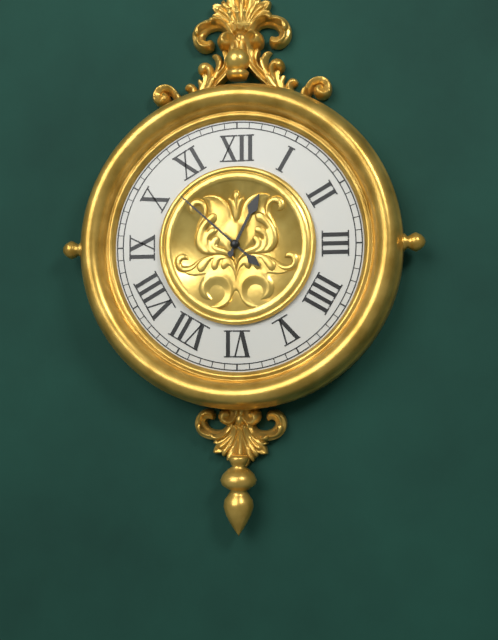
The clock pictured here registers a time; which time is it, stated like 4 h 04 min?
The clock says 12 h 52 min
